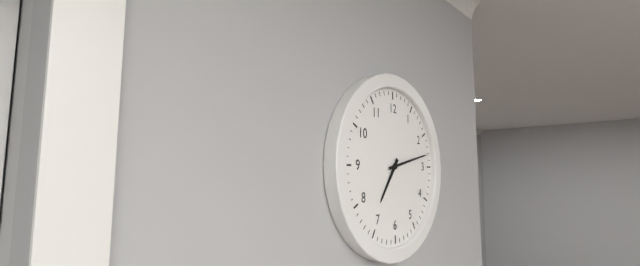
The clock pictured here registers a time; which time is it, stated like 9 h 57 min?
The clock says 7 h 13 min
